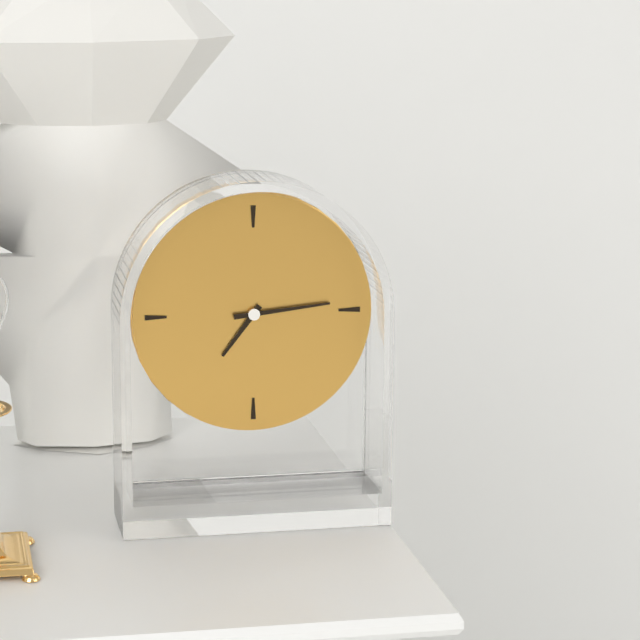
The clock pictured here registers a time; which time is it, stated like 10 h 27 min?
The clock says 7 h 14 min
